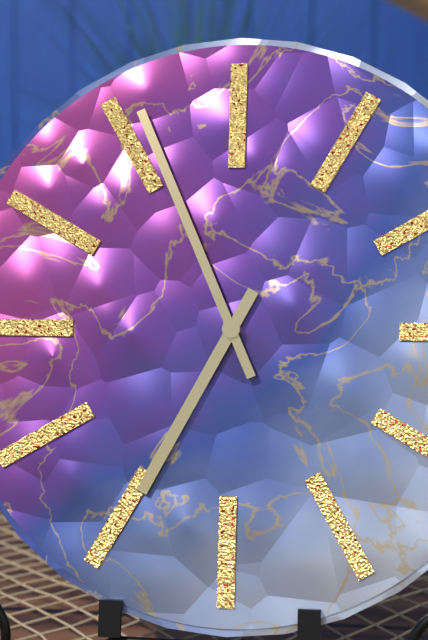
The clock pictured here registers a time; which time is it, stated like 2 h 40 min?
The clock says 6 h 56 min
